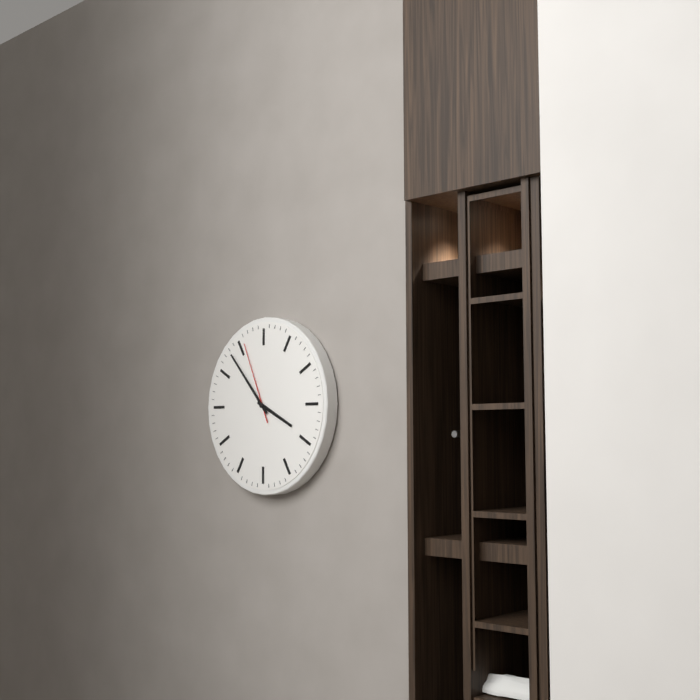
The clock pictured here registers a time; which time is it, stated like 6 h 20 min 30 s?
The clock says 3 h 53 min 56 s
